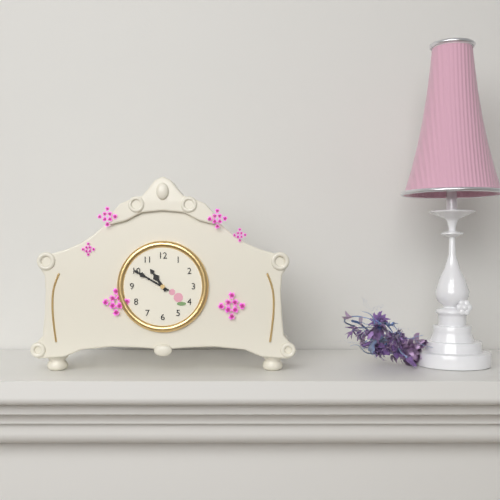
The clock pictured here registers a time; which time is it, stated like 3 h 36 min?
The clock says 10 h 50 min
